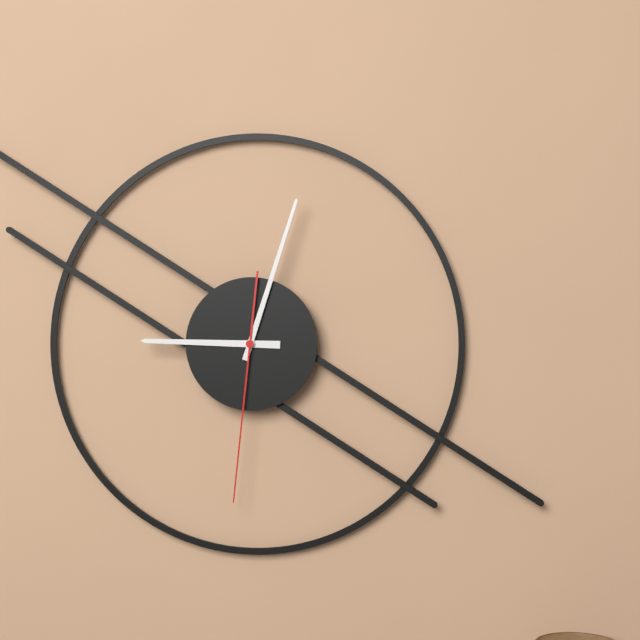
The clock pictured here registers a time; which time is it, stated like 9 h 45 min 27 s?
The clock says 9 h 03 min 31 s
